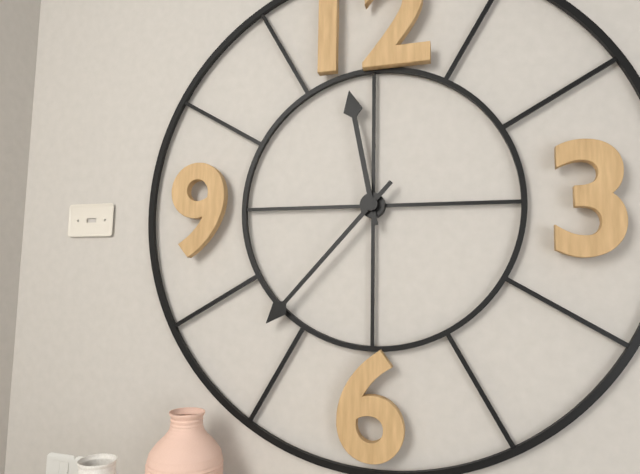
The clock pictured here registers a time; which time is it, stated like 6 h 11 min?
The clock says 11 h 37 min
